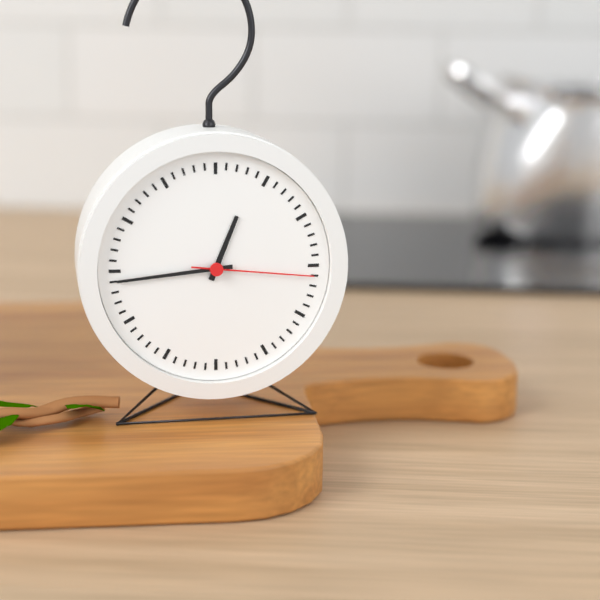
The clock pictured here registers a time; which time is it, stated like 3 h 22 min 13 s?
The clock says 12 h 44 min 16 s
